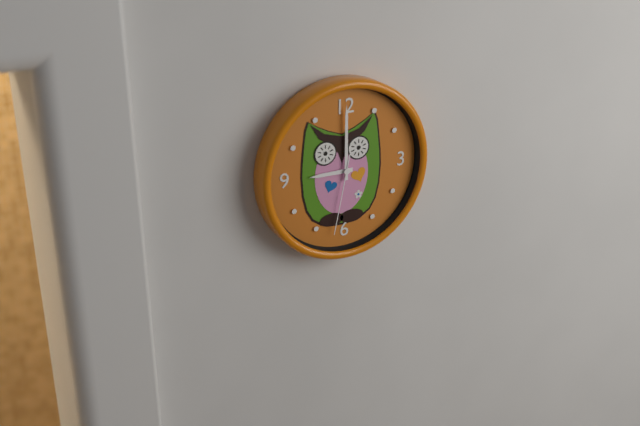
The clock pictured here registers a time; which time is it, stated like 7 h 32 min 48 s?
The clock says 9 h 00 min 32 s
